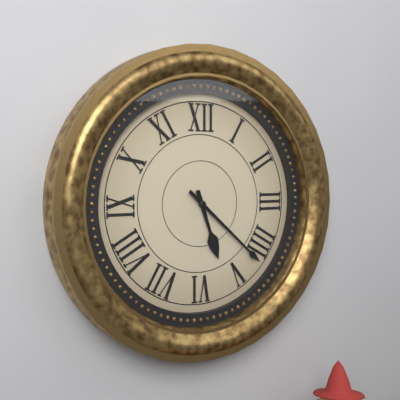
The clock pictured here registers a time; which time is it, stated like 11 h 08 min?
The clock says 5 h 22 min
